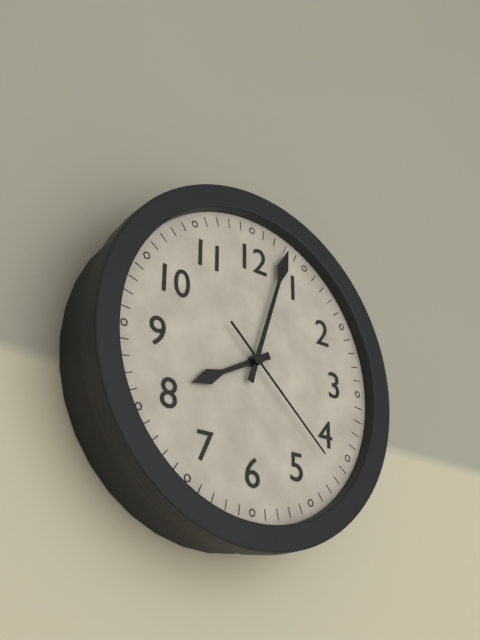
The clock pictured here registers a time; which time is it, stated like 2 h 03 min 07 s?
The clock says 8 h 03 min 22 s
